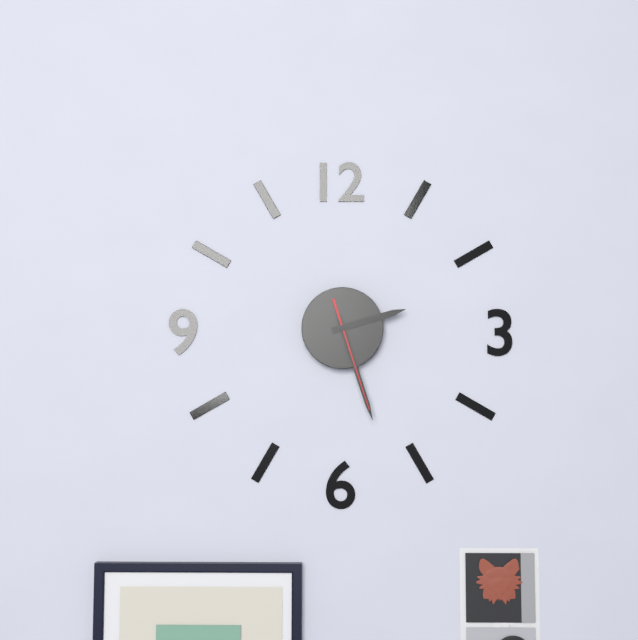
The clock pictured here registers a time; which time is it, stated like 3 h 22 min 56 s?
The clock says 2 h 27 min 27 s
